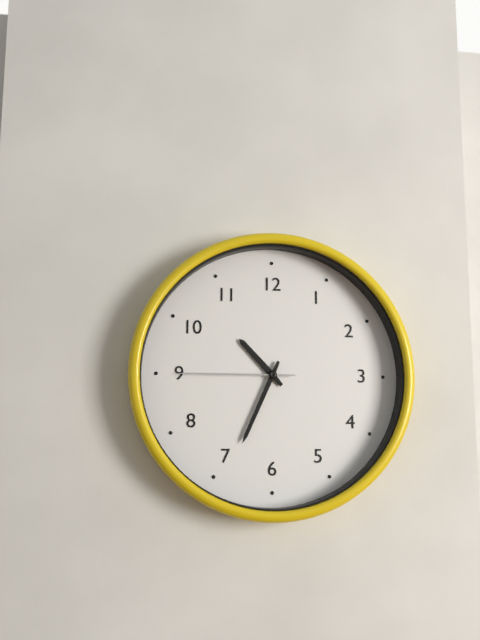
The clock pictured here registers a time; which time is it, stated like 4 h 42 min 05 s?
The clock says 10 h 34 min 45 s
